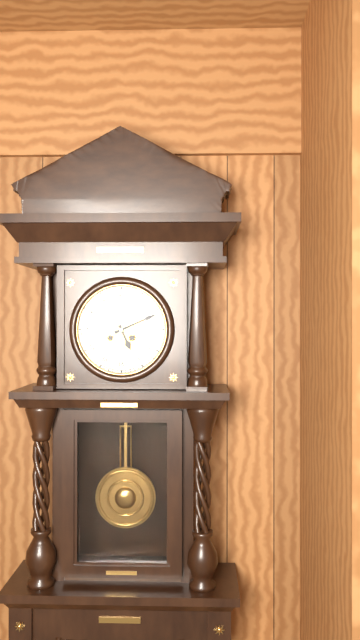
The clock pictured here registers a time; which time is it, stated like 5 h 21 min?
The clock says 5 h 11 min
